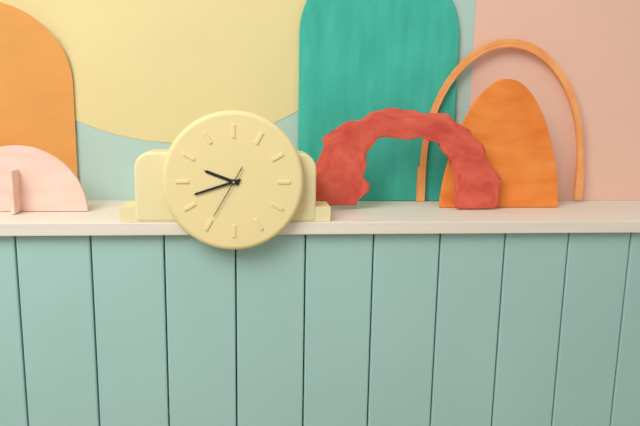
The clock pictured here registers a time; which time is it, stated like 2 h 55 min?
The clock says 9 h 42 min
